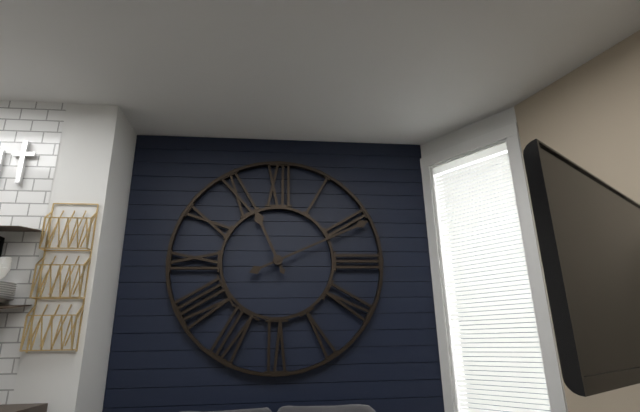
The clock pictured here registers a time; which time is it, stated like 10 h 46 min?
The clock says 11 h 11 min
